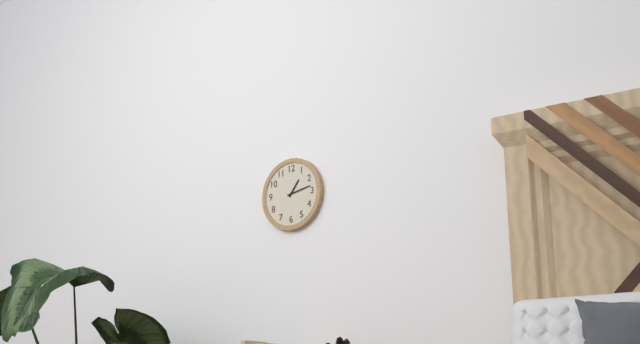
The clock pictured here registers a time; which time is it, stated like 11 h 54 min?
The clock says 1 h 13 min
